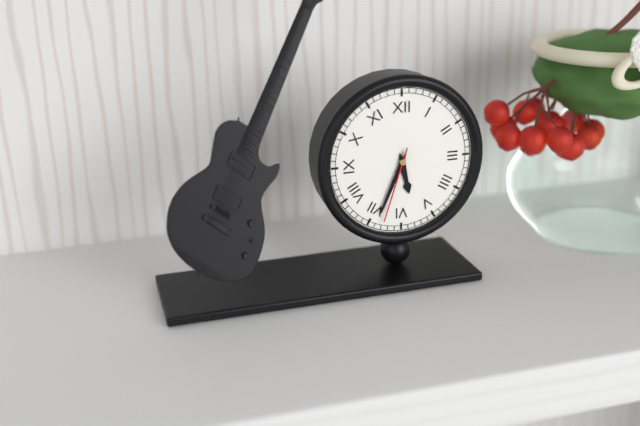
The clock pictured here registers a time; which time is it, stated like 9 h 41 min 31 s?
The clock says 5 h 34 min 33 s
